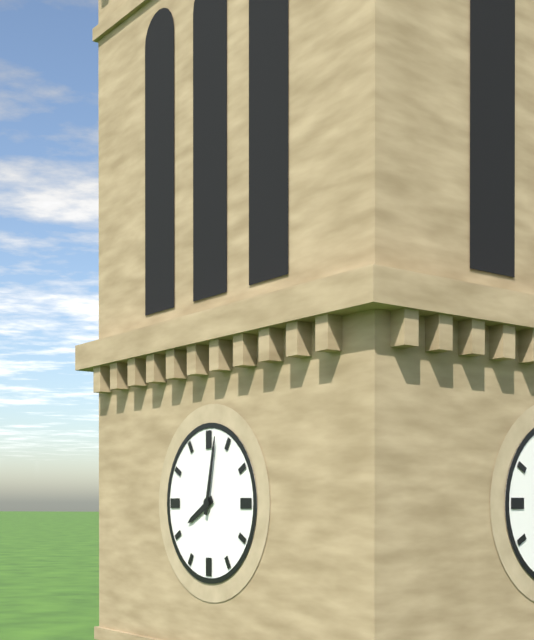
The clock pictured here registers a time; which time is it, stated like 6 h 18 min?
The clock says 8 h 02 min
